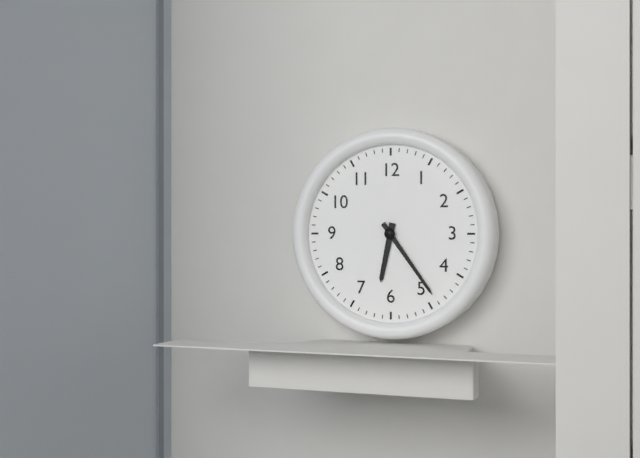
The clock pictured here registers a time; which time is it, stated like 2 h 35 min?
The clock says 6 h 24 min
